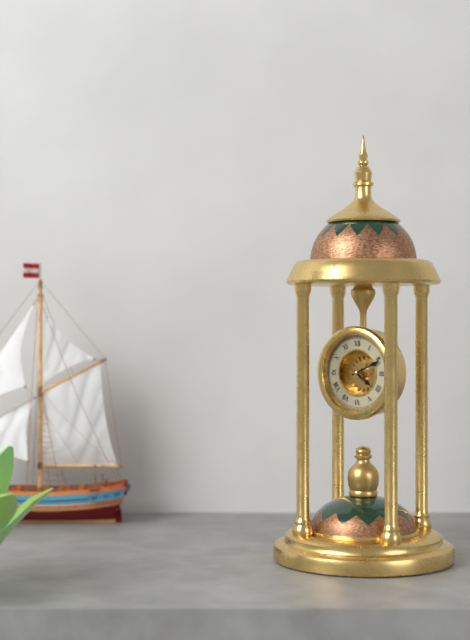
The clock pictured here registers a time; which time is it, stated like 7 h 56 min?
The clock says 4 h 11 min
